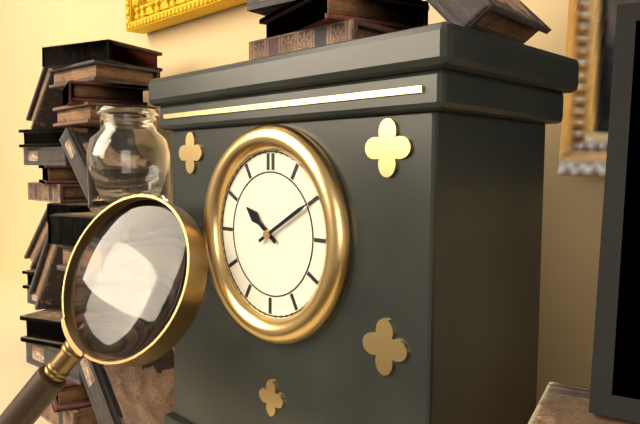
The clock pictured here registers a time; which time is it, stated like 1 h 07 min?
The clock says 10 h 10 min
